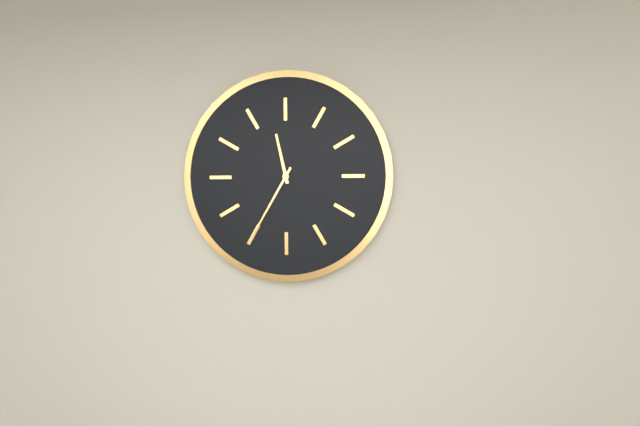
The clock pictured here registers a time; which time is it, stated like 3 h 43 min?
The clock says 11 h 35 min
